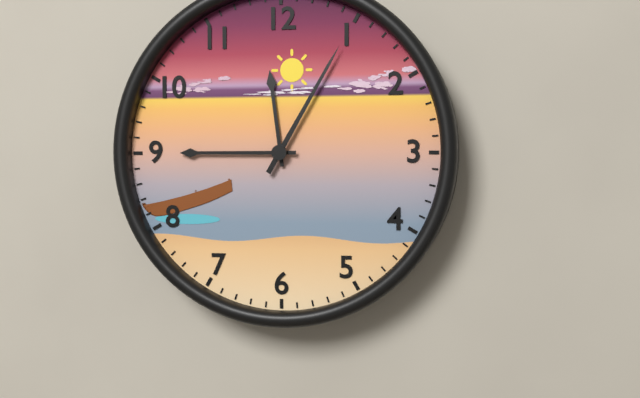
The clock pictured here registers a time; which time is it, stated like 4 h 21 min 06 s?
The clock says 11 h 45 min 05 s
